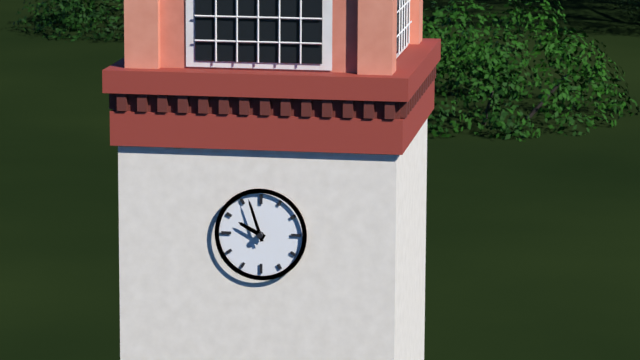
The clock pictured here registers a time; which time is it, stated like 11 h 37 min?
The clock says 9 h 57 min
